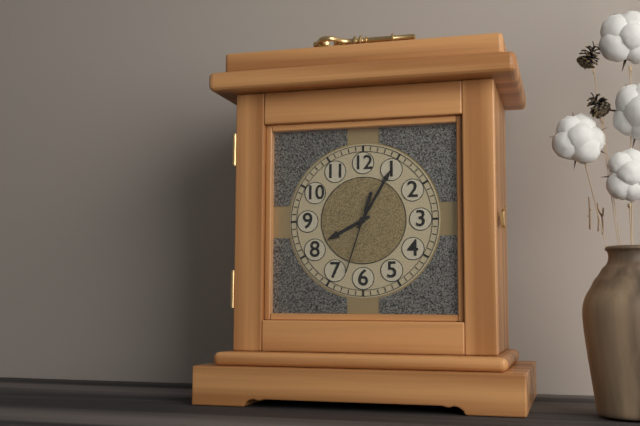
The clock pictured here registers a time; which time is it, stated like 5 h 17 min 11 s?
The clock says 8 h 05 min 33 s
